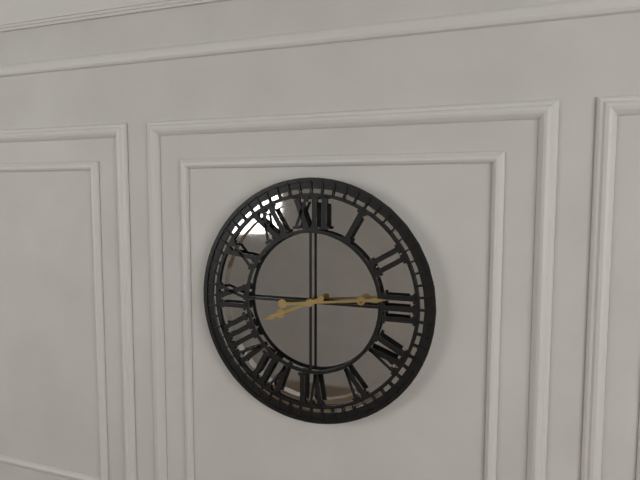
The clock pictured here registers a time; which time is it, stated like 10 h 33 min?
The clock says 8 h 14 min
